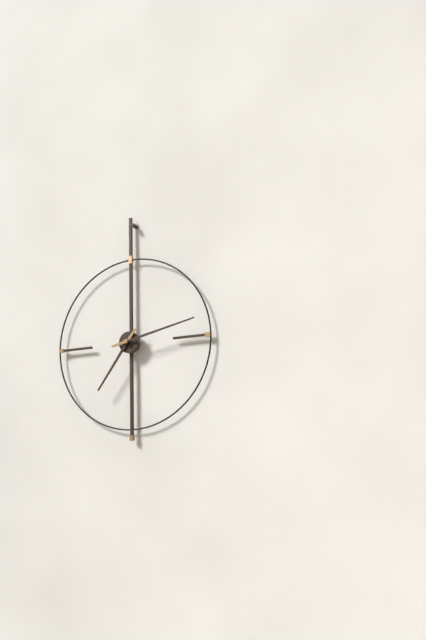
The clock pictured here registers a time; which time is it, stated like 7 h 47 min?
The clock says 7 h 13 min
